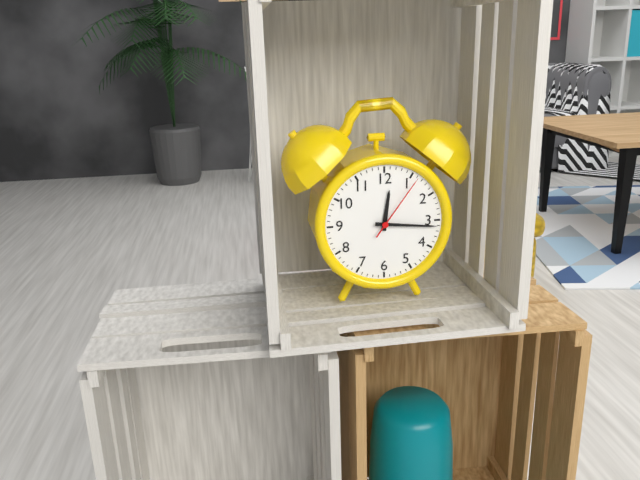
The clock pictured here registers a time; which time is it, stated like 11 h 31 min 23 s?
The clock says 12 h 16 min 06 s
